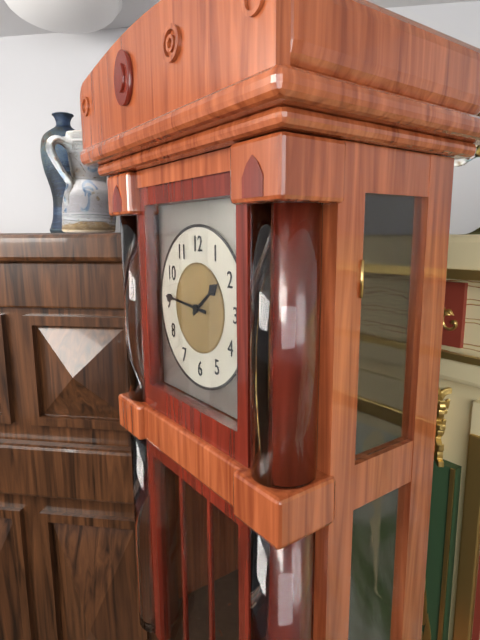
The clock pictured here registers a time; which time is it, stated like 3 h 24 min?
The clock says 1 h 46 min
